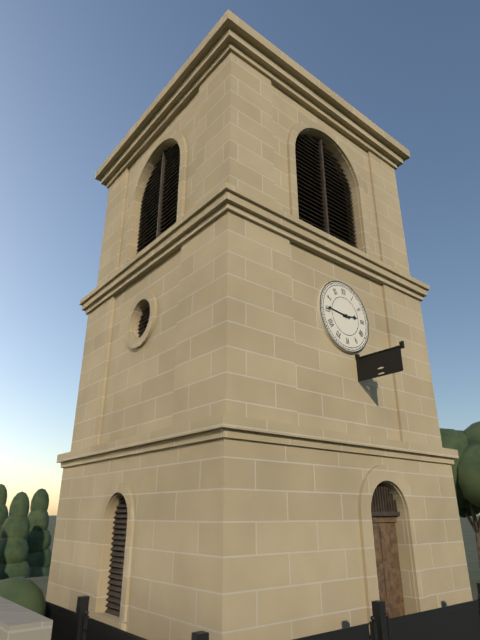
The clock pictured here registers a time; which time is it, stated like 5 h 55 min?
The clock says 2 h 46 min
